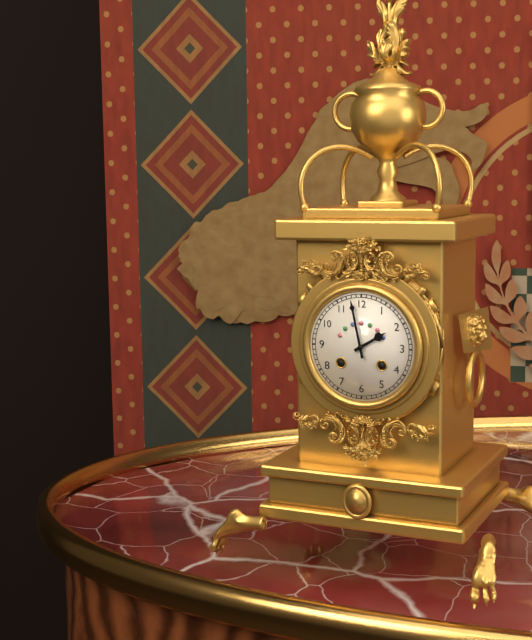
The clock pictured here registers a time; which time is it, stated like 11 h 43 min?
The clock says 1 h 58 min
